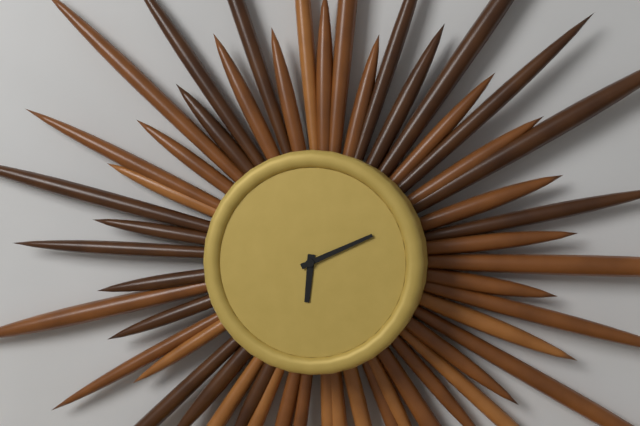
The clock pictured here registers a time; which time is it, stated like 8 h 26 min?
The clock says 6 h 11 min
